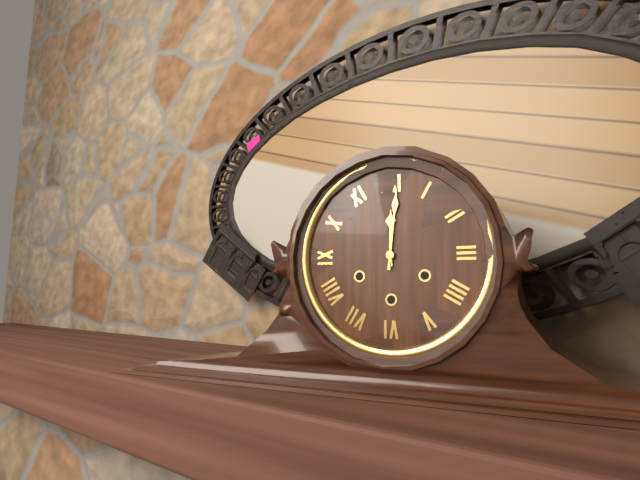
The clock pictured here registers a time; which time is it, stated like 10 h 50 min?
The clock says 12 h 01 min
